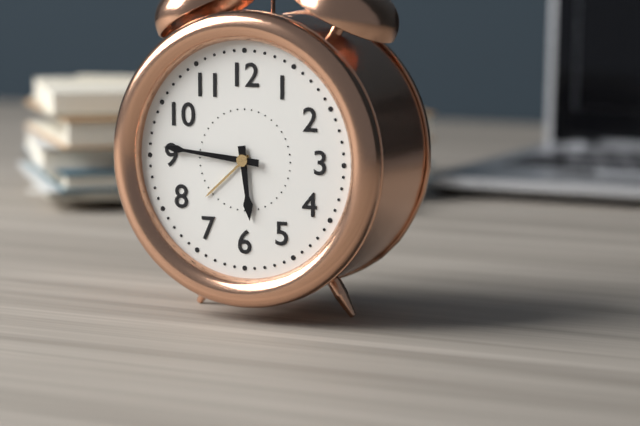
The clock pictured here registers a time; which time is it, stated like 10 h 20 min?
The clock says 5 h 46 min
